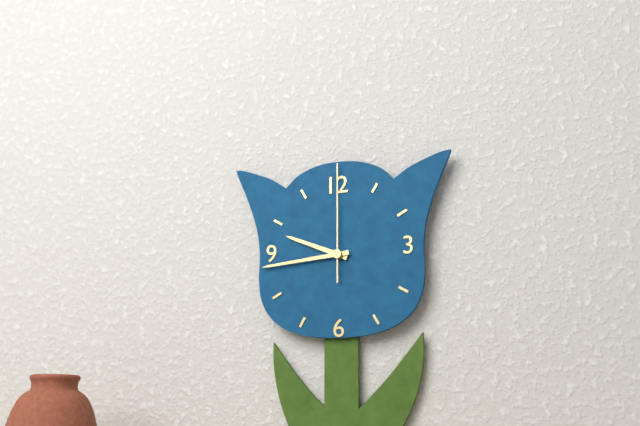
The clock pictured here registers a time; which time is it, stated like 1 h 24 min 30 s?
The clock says 9 h 44 min 00 s
